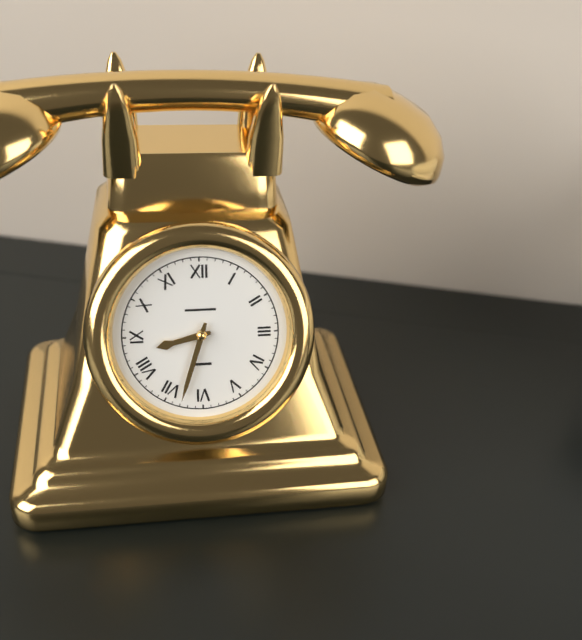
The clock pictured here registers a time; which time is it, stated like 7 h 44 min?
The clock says 8 h 33 min
